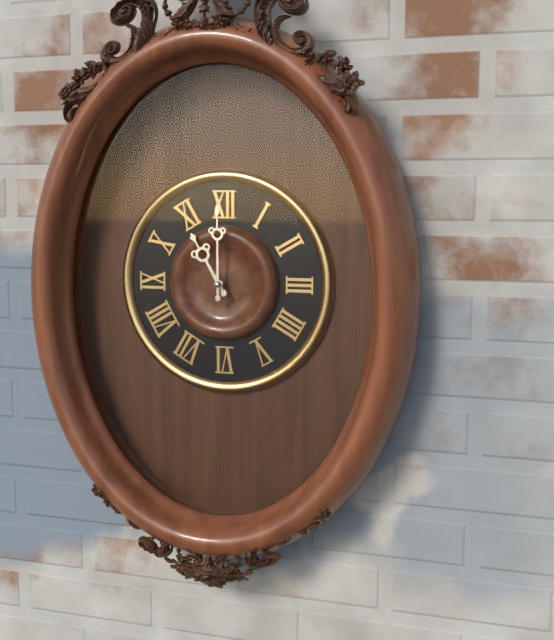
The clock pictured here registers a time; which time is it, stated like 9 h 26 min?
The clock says 11 h 00 min
